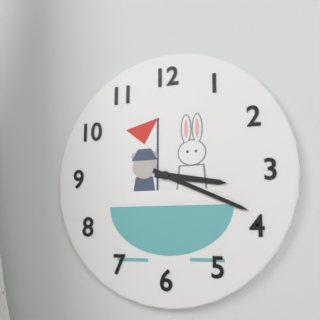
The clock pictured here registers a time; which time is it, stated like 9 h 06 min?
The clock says 3 h 19 min
